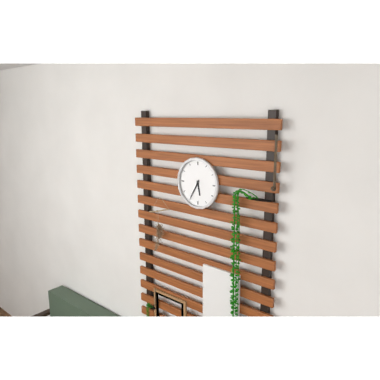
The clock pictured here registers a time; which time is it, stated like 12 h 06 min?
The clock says 5 h 35 min
